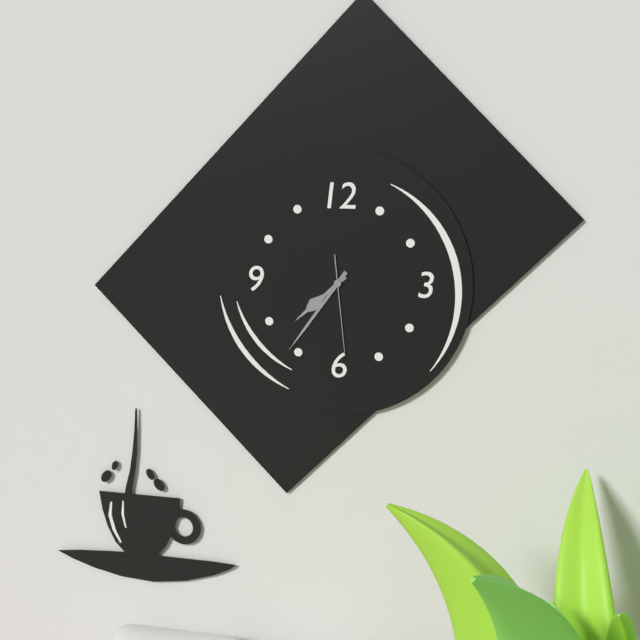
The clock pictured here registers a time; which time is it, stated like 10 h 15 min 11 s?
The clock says 7 h 36 min 29 s
